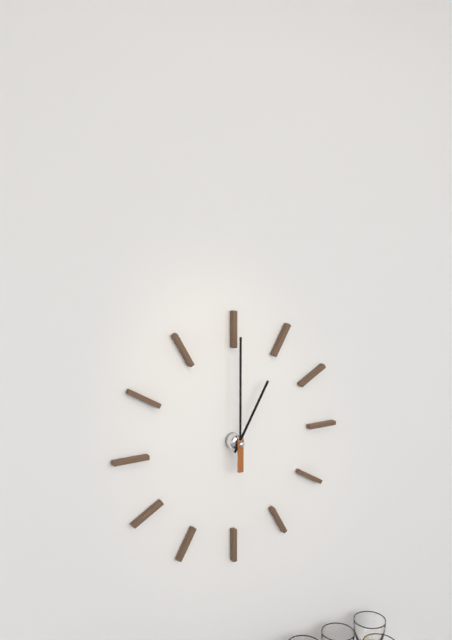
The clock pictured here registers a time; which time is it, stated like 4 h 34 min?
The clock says 1 h 00 min
